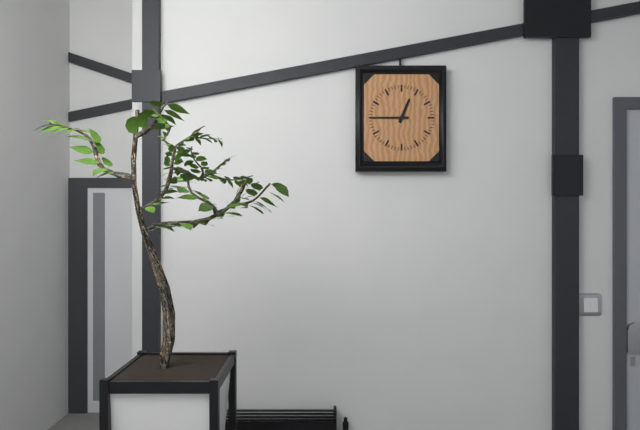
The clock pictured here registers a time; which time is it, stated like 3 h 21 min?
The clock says 12 h 45 min
